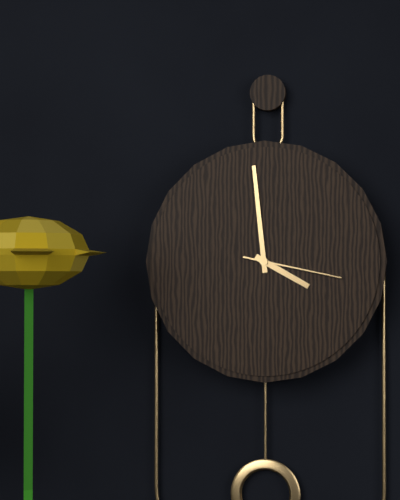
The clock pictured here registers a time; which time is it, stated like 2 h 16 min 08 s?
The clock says 3 h 59 min 17 s
